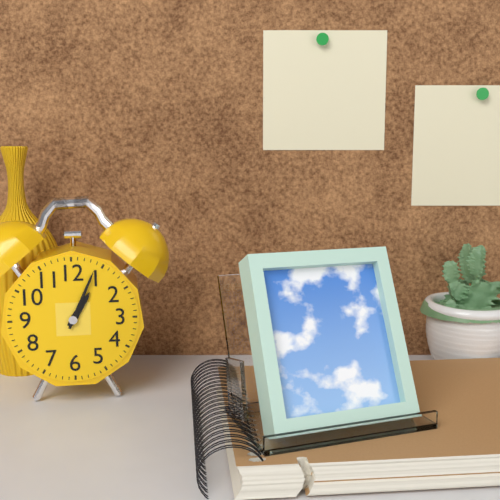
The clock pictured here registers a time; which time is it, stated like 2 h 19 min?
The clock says 1 h 04 min
